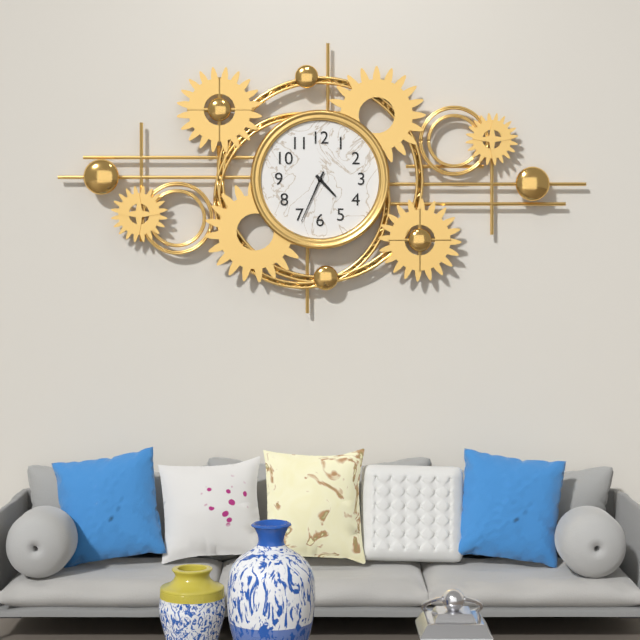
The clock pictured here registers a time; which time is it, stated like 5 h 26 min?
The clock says 4 h 34 min
